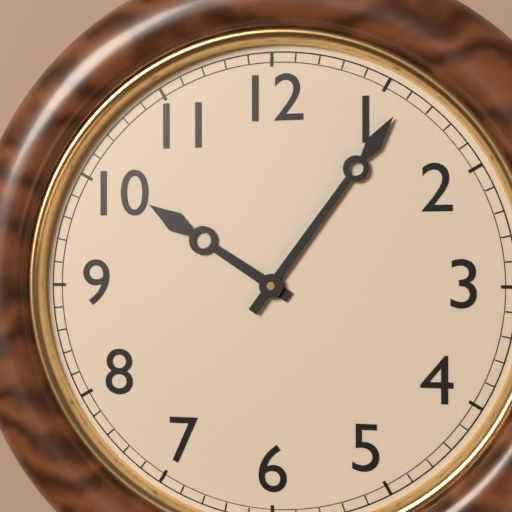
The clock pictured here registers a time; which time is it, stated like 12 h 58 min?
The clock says 10 h 06 min
